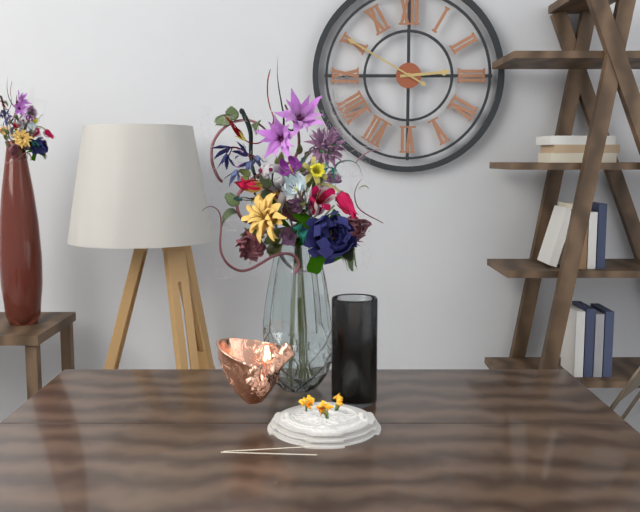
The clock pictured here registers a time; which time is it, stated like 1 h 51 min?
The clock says 2 h 50 min
